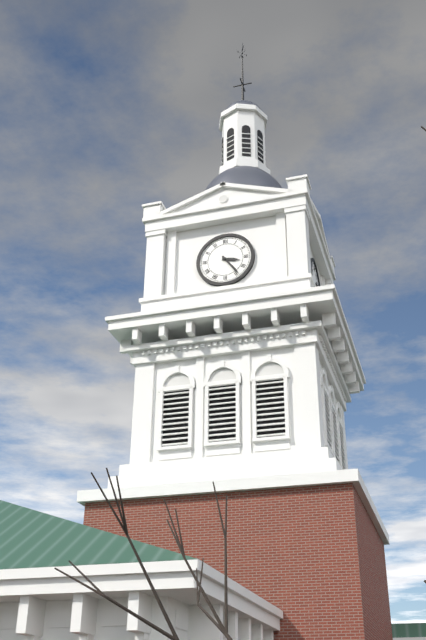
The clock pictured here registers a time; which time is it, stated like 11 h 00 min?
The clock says 3 h 24 min
